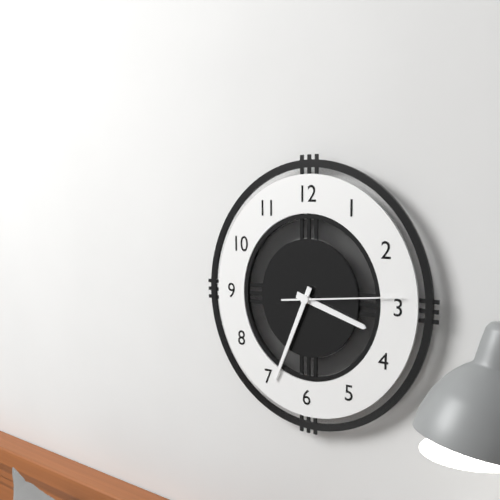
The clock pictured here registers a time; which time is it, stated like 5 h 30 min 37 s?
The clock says 3 h 34 min 14 s
